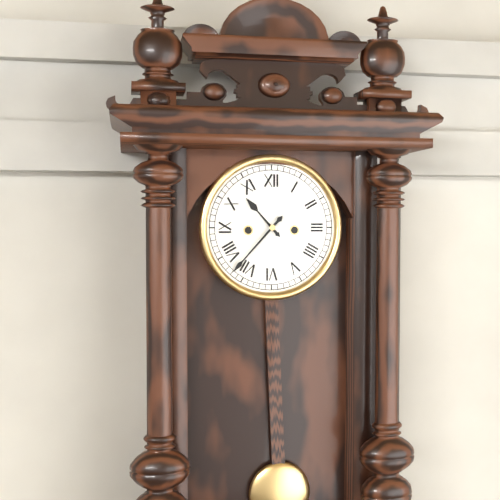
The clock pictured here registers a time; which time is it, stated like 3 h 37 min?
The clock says 10 h 37 min
